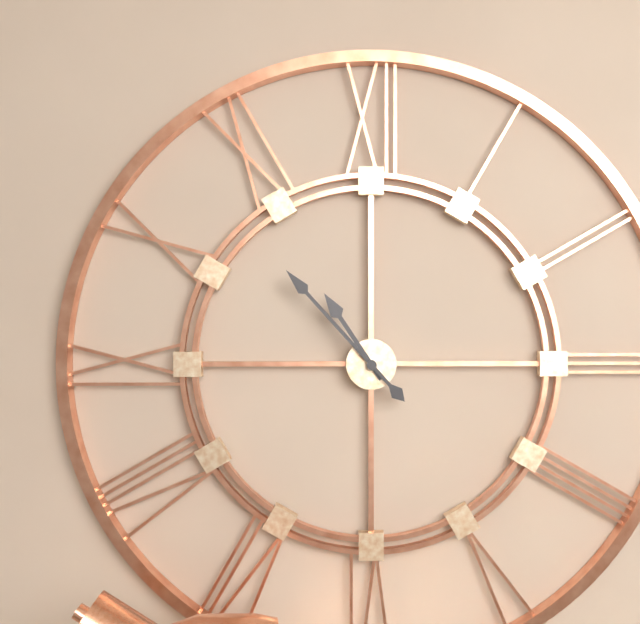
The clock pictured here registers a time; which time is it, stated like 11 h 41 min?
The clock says 10 h 53 min
